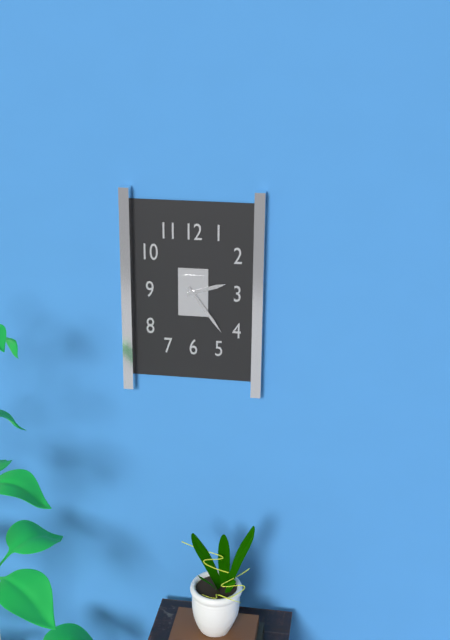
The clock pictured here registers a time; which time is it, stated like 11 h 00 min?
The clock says 2 h 24 min
